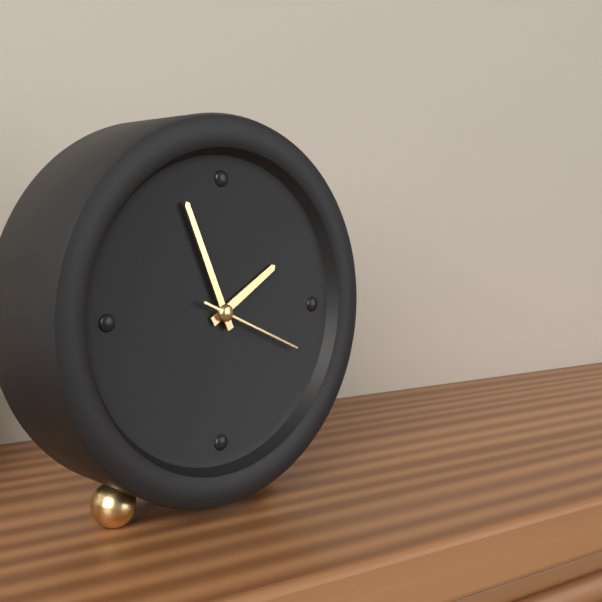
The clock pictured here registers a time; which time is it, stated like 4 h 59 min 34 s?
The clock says 1 h 56 min 19 s
